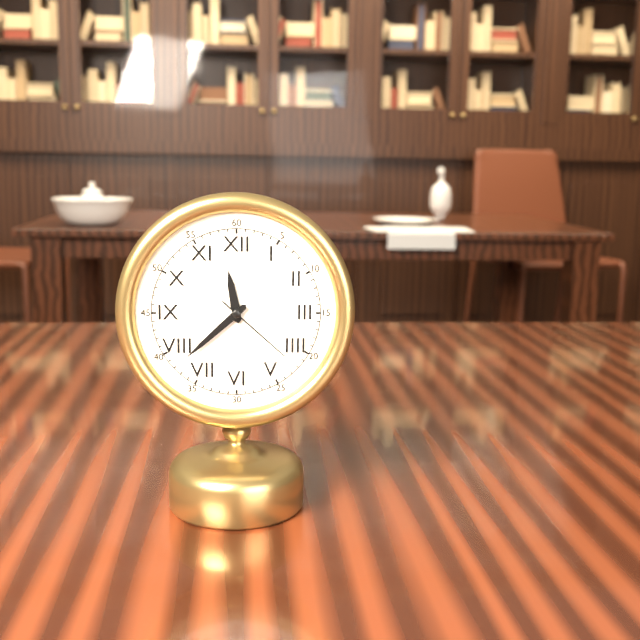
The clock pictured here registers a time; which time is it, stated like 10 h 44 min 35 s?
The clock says 11 h 38 min 22 s
